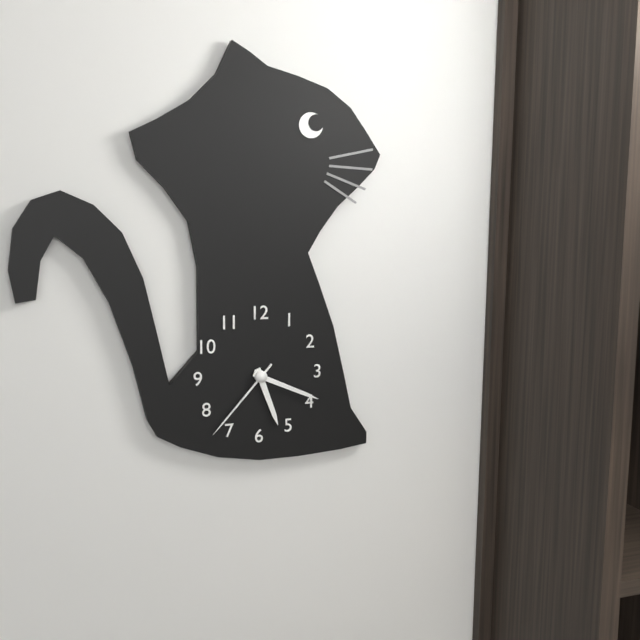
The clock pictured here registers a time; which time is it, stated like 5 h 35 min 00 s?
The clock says 5 h 19 min 37 s
